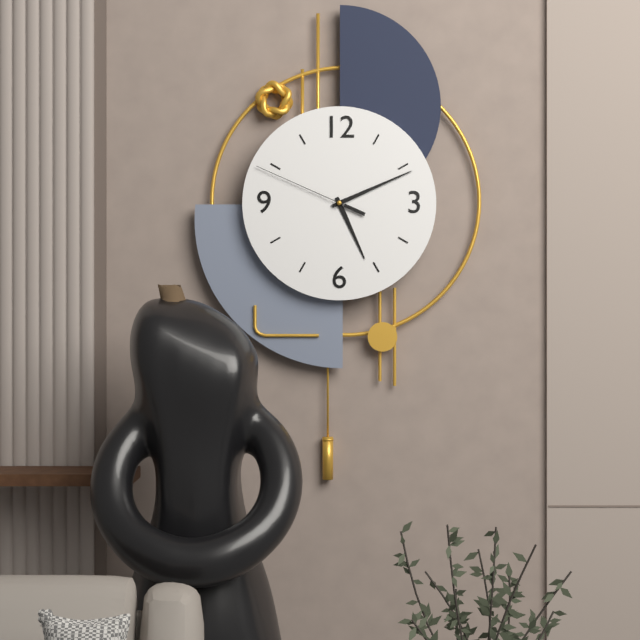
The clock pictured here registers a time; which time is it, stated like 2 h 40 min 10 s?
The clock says 5 h 11 min 49 s
